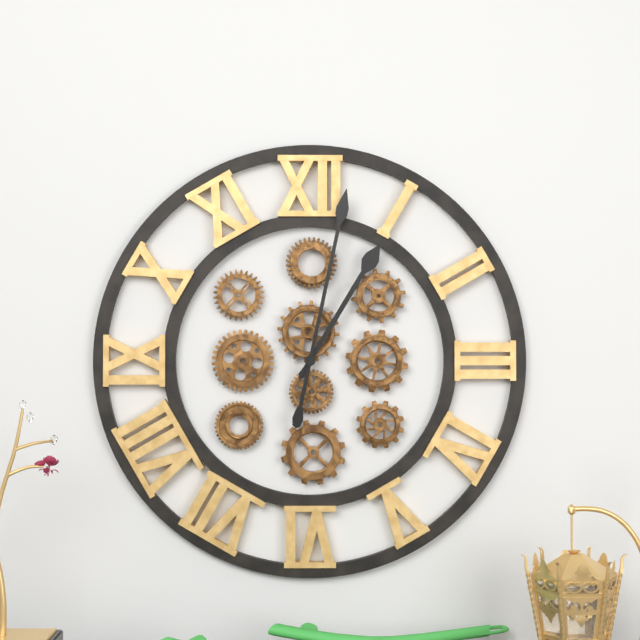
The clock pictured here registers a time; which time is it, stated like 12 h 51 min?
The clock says 1 h 02 min
